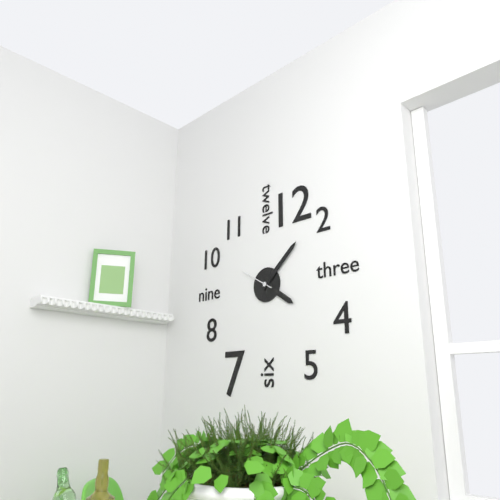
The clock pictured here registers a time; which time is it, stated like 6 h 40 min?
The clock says 4 h 08 min
